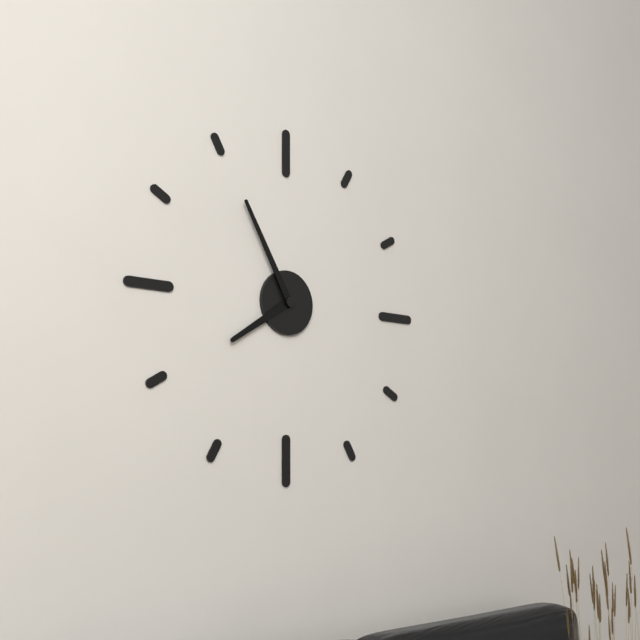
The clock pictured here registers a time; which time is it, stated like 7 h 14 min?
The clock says 7 h 55 min
